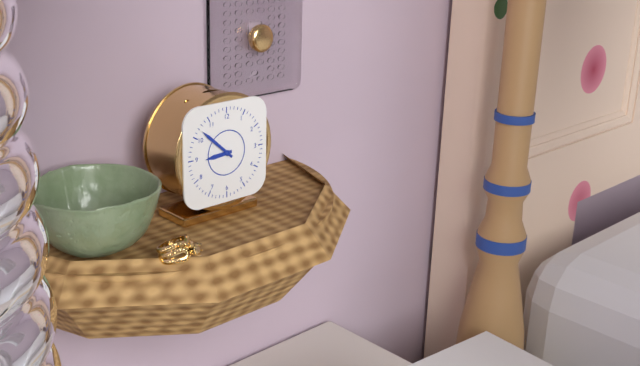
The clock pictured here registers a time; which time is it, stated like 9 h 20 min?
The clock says 8 h 52 min
